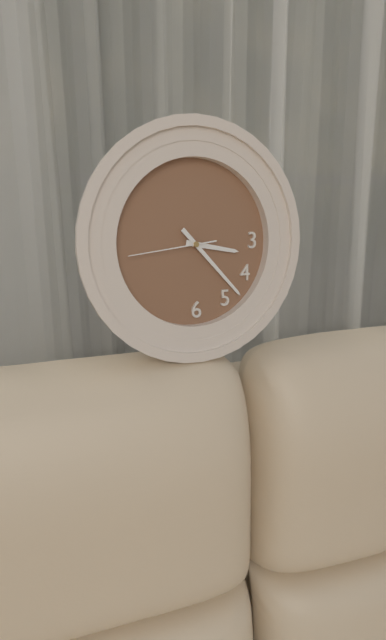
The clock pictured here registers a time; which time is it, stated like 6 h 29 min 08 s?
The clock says 3 h 23 min 44 s
